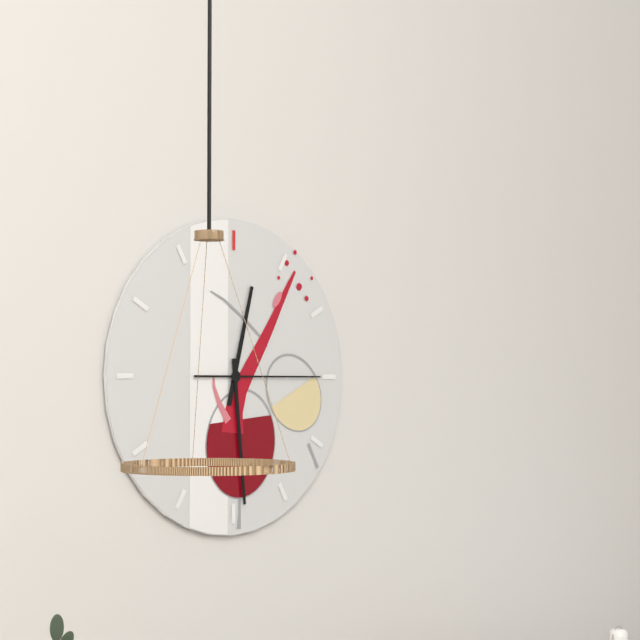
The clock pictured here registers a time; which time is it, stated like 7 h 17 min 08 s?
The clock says 12 h 29 min 15 s
